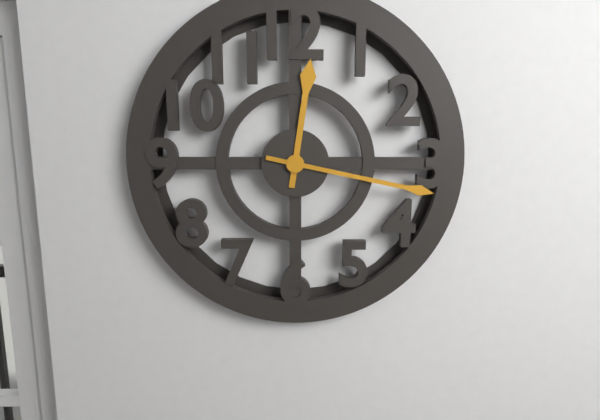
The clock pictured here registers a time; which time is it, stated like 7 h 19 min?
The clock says 12 h 17 min
